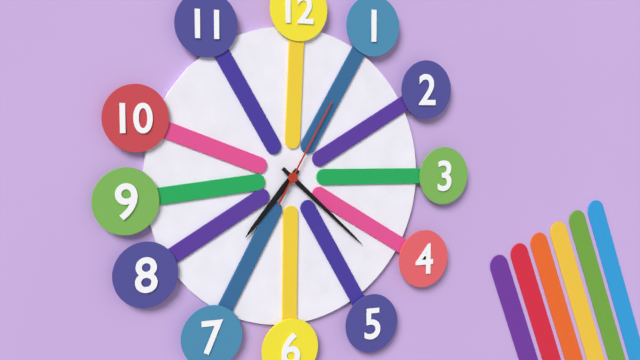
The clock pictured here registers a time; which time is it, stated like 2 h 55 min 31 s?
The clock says 7 h 22 min 05 s
